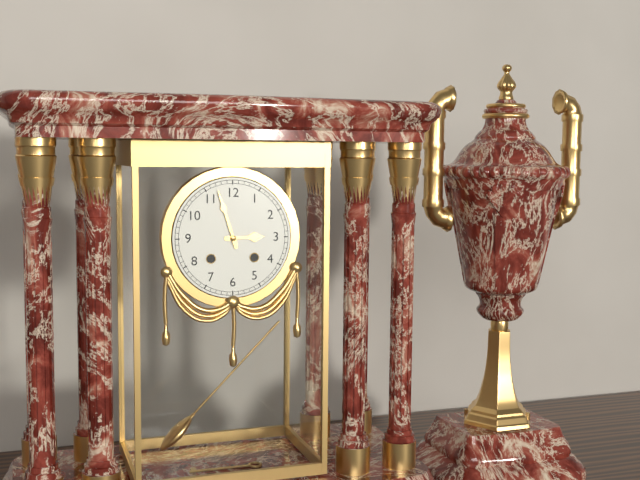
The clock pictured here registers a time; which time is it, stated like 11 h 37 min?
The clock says 2 h 57 min
